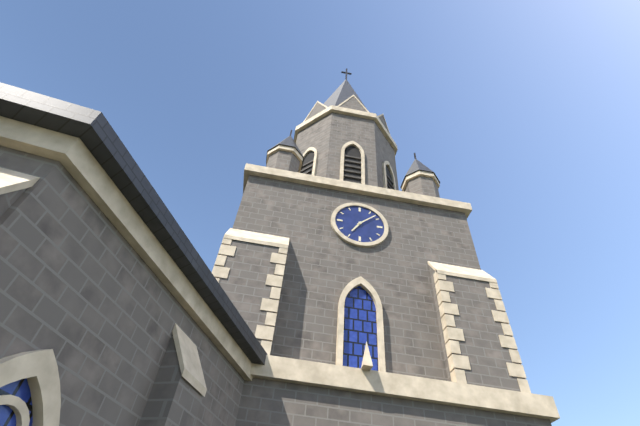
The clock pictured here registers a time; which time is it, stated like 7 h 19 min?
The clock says 7 h 08 min
